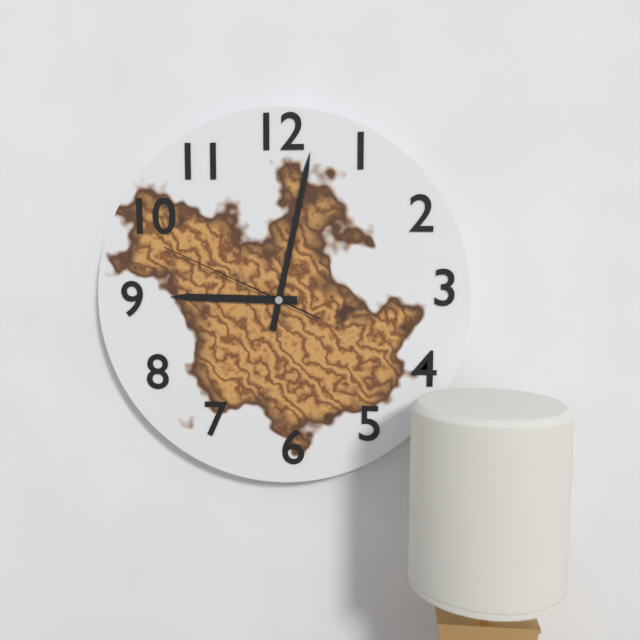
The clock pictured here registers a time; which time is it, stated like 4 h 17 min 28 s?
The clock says 9 h 02 min 49 s
